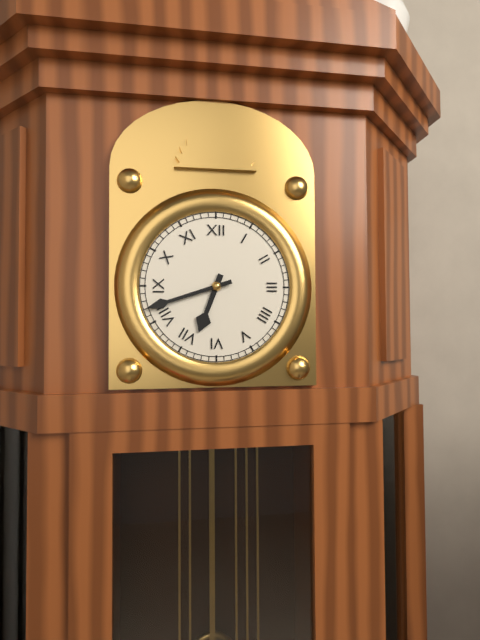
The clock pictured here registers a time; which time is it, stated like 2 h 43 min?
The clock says 6 h 42 min
